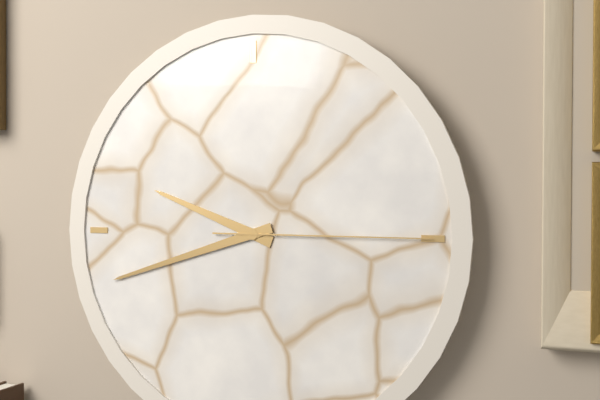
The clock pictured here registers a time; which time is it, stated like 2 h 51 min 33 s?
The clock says 9 h 42 min 15 s
